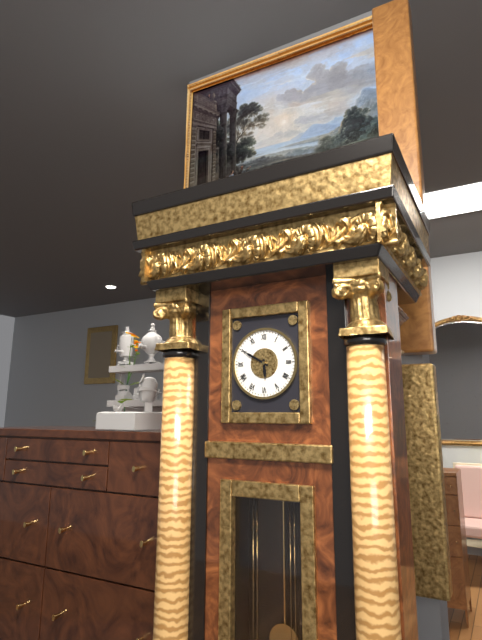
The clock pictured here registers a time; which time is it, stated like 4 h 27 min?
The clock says 5 h 50 min
